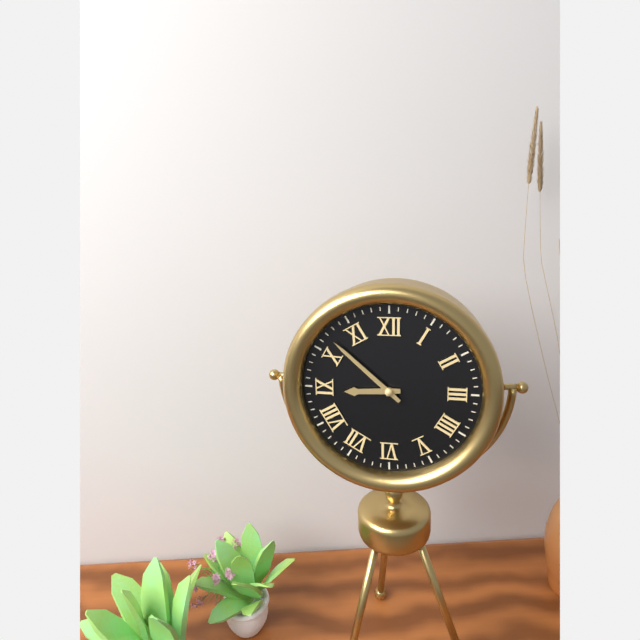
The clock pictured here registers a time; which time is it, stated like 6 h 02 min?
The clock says 8 h 52 min
